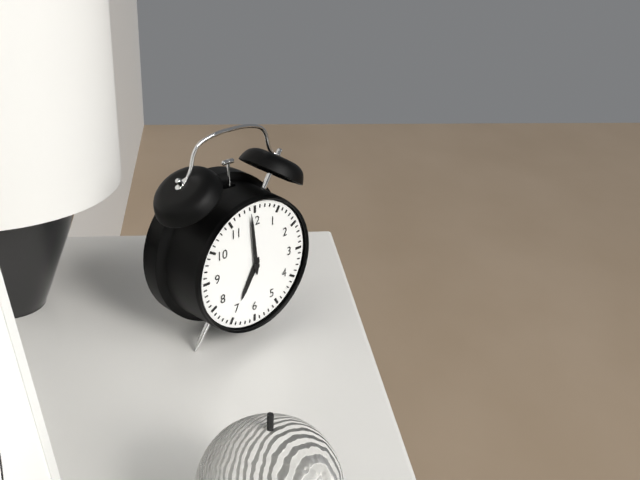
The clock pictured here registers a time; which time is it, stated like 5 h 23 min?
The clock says 6 h 59 min
